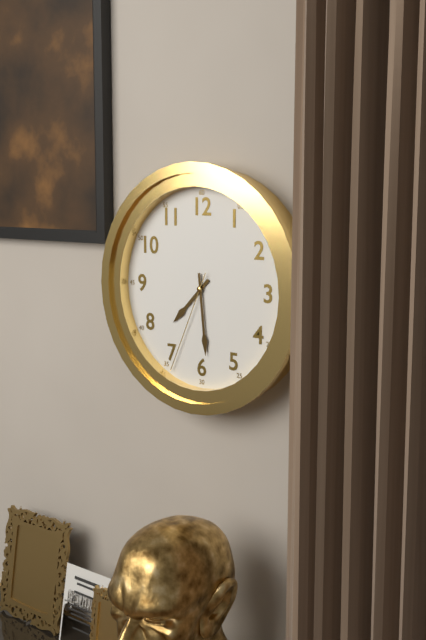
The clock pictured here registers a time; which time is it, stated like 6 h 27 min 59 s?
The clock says 7 h 29 min 34 s
